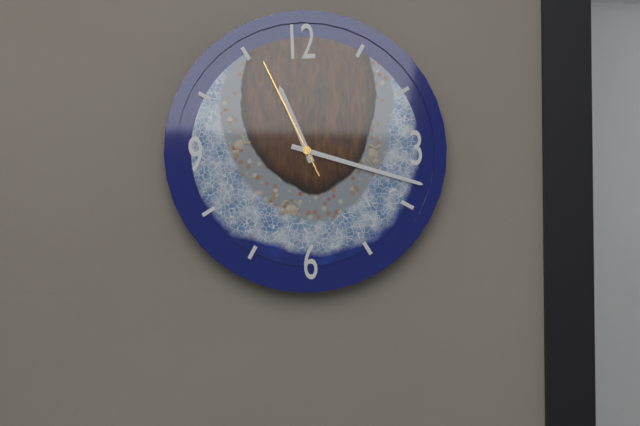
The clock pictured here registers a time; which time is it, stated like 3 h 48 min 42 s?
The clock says 11 h 18 min 56 s
